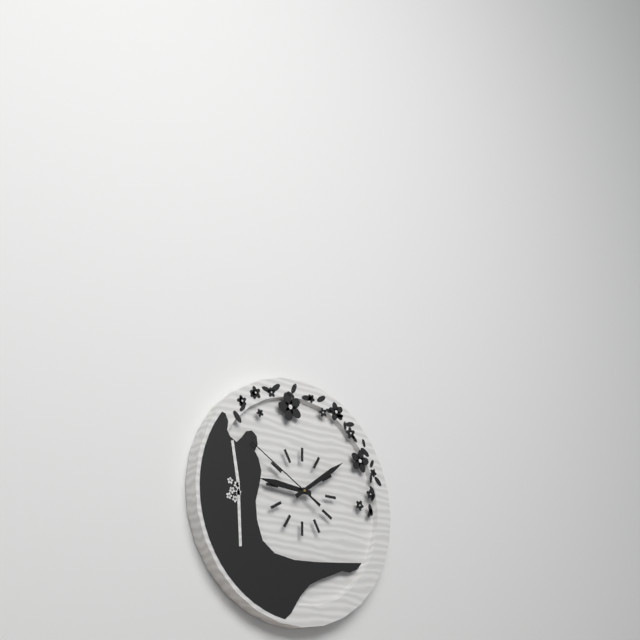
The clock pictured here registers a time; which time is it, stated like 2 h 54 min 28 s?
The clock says 9 h 09 min 50 s
